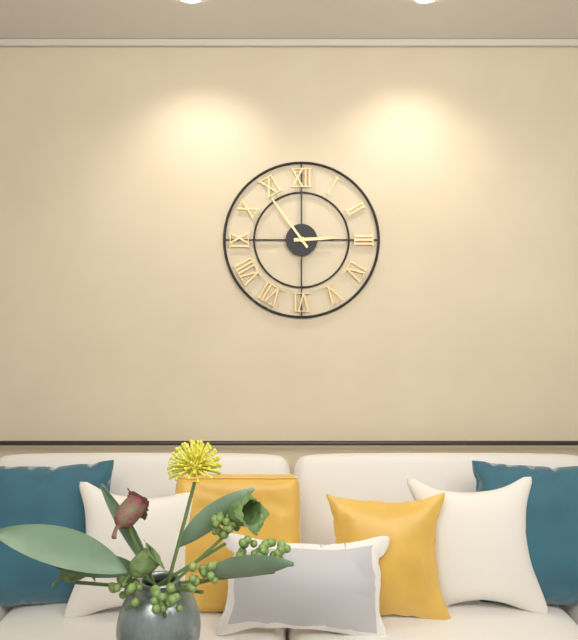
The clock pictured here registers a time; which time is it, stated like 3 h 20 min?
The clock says 2 h 54 min
